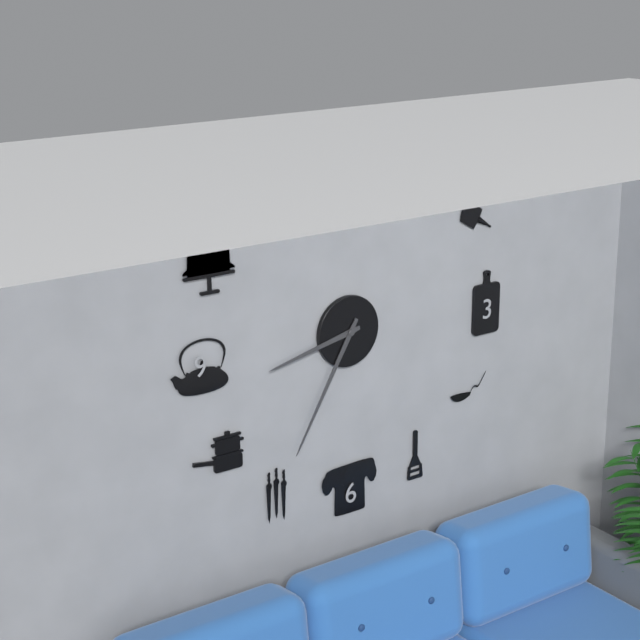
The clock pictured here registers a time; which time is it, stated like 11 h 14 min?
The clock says 8 h 35 min
